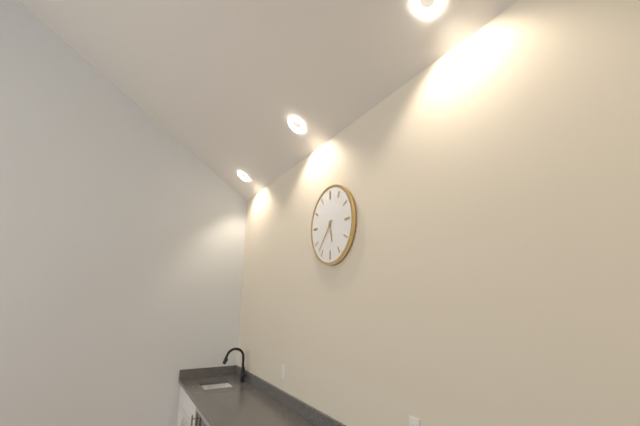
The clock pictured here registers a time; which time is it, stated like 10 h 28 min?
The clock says 5 h 37 min
